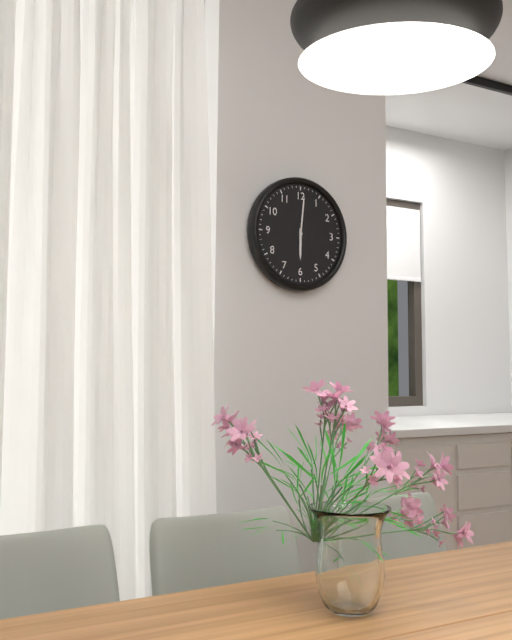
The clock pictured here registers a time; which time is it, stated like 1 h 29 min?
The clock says 6 h 01 min
